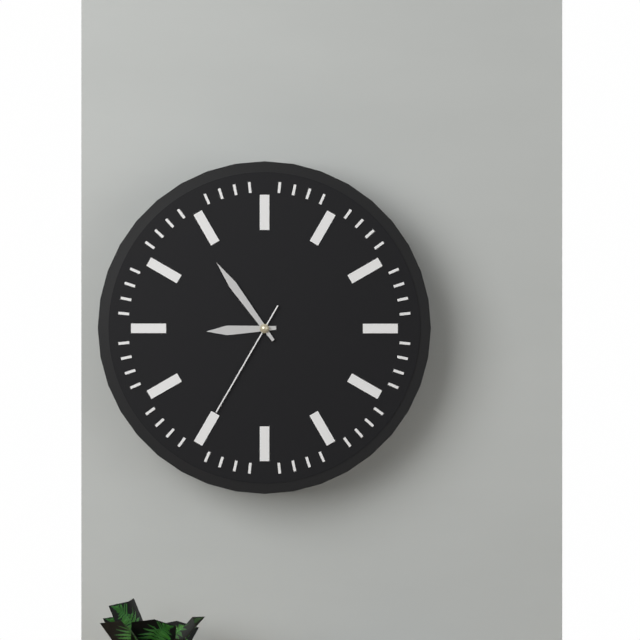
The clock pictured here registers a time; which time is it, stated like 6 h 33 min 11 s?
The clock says 8 h 54 min 35 s
